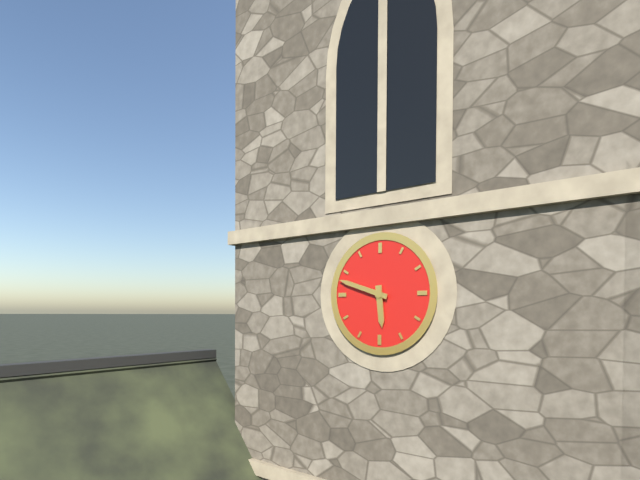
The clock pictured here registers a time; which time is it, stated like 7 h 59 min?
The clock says 5 h 48 min
